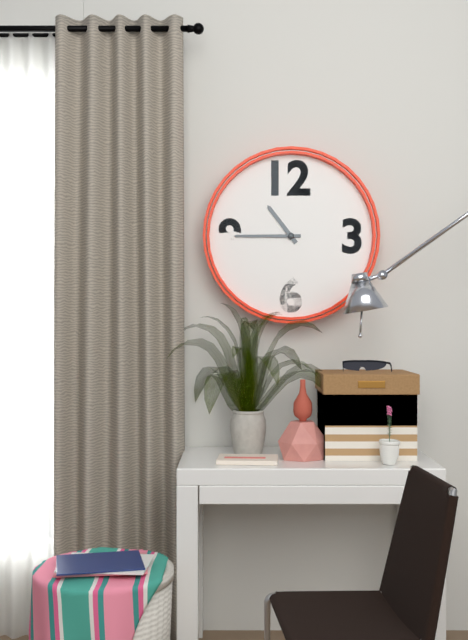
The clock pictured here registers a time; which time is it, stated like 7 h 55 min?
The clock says 10 h 45 min
